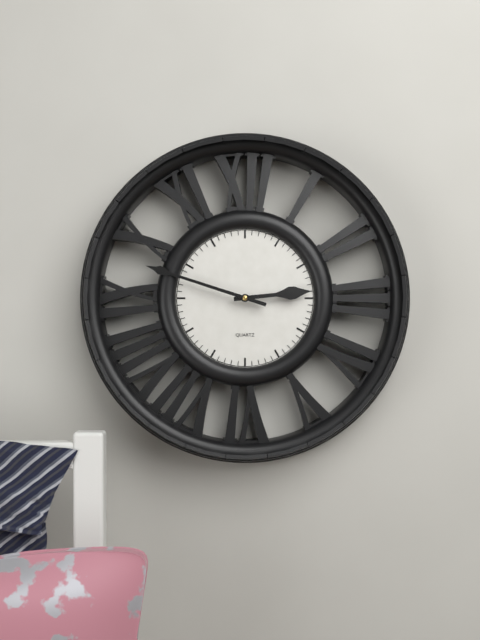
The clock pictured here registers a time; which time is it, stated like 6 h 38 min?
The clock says 2 h 48 min
